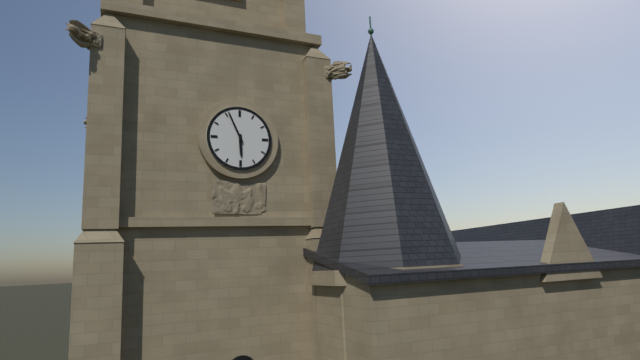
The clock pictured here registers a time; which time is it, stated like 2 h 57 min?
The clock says 5 h 56 min
